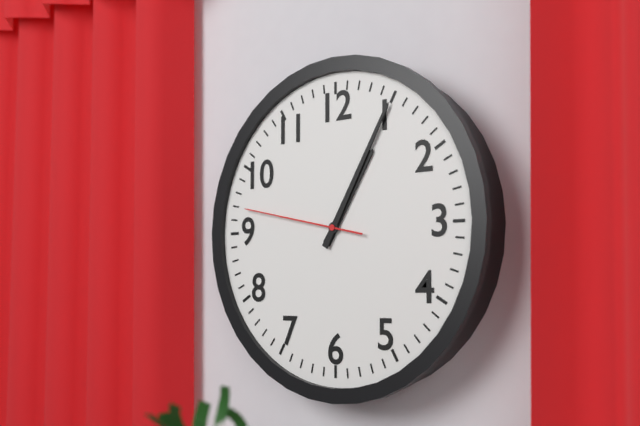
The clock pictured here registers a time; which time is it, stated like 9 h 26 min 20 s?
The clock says 1 h 05 min 47 s
